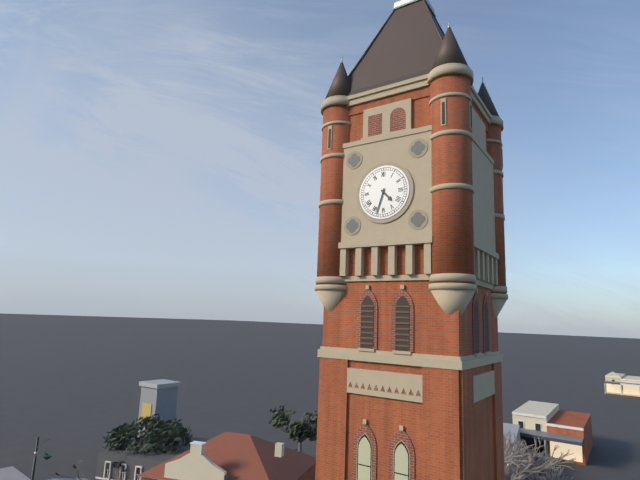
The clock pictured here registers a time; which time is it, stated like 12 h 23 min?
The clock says 4 h 33 min
